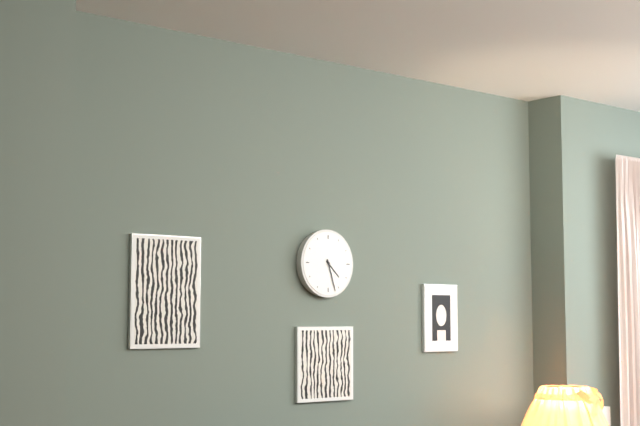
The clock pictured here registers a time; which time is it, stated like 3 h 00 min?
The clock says 4 h 27 min
